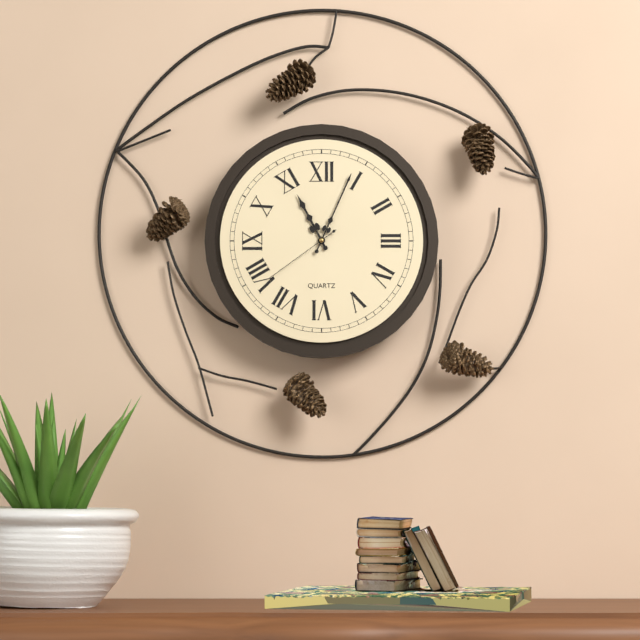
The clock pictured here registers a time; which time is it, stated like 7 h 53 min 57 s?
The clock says 11 h 04 min 39 s
